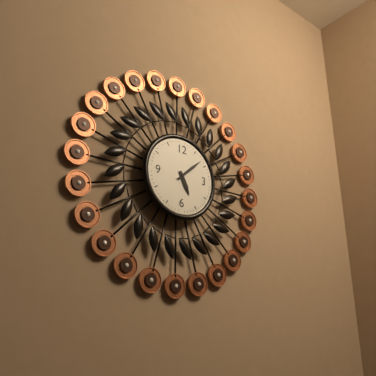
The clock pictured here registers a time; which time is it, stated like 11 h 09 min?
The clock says 5 h 08 min
